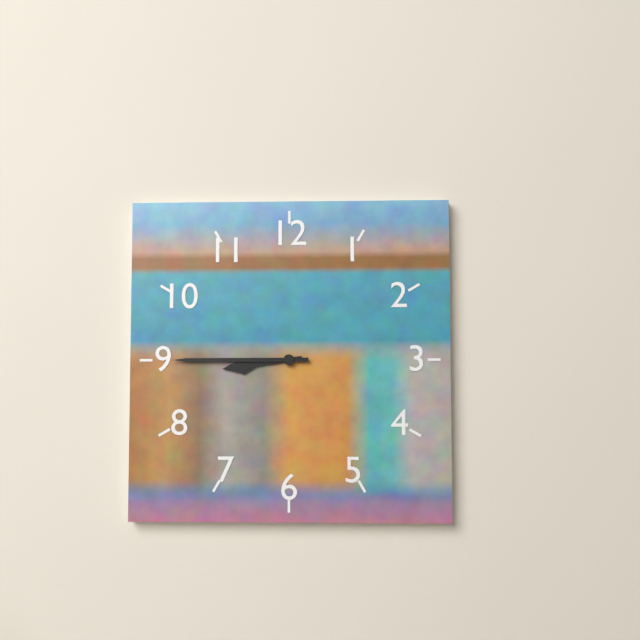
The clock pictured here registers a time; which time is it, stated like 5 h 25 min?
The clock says 8 h 45 min
